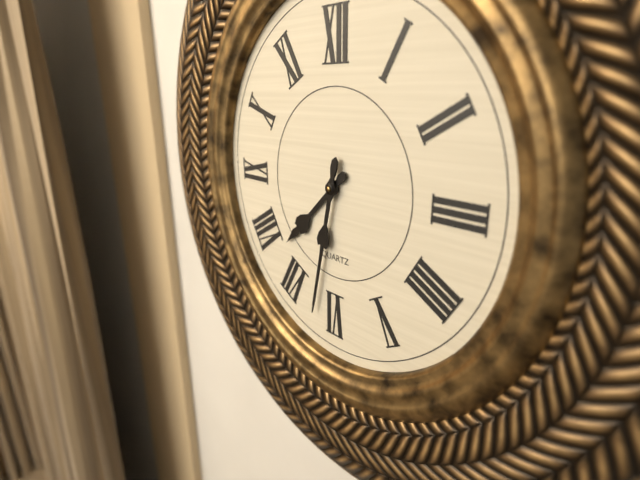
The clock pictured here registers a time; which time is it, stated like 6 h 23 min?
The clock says 7 h 32 min
